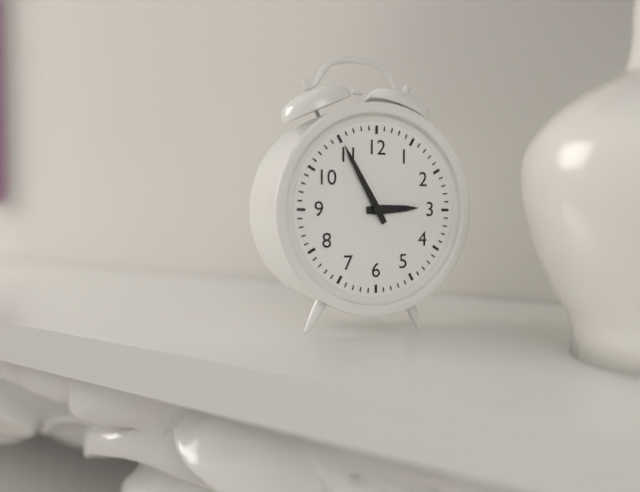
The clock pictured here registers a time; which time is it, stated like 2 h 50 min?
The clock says 2 h 55 min
